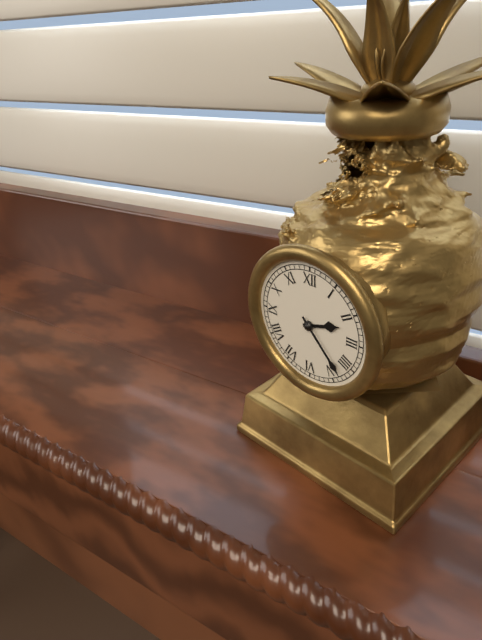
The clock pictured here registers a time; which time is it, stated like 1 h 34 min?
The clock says 2 h 23 min
